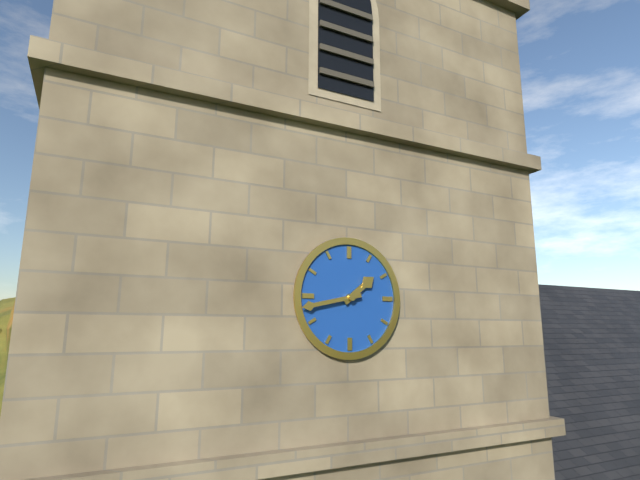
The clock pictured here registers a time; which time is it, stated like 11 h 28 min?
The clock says 1 h 43 min
